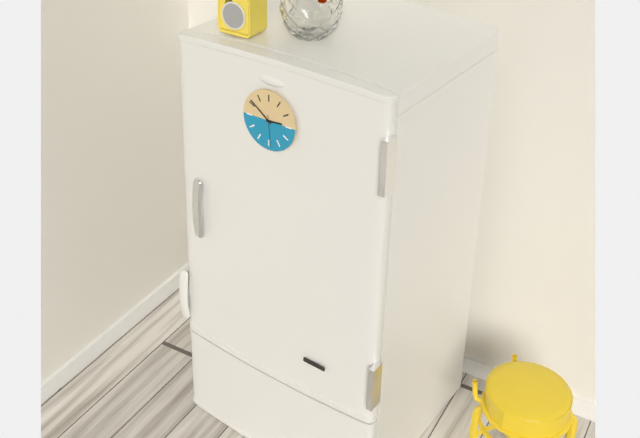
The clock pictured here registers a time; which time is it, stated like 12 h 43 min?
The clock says 2 h 51 min
